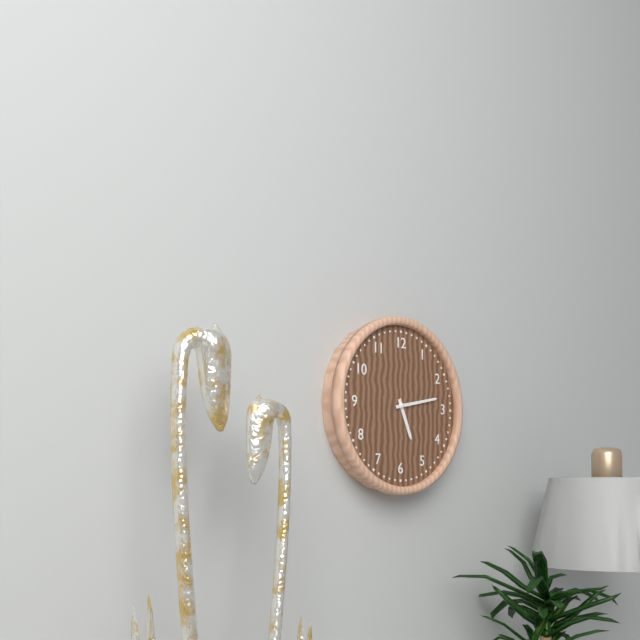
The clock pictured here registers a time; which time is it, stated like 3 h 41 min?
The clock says 5 h 13 min
